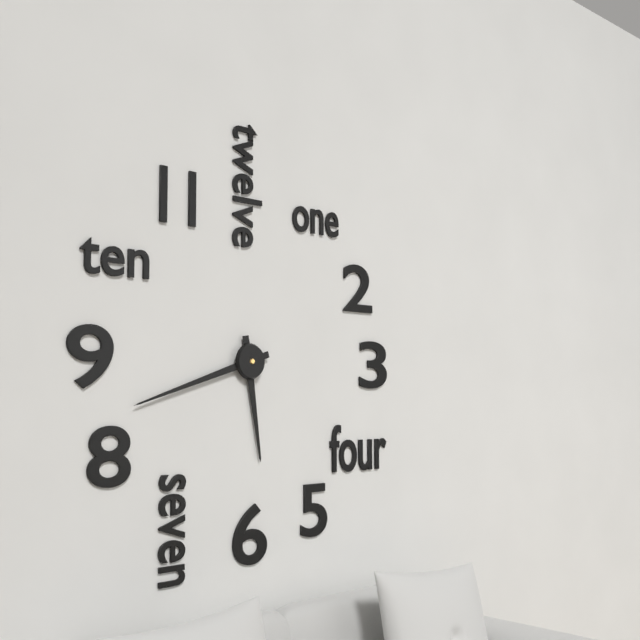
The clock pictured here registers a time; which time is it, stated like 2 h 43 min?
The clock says 5 h 42 min
